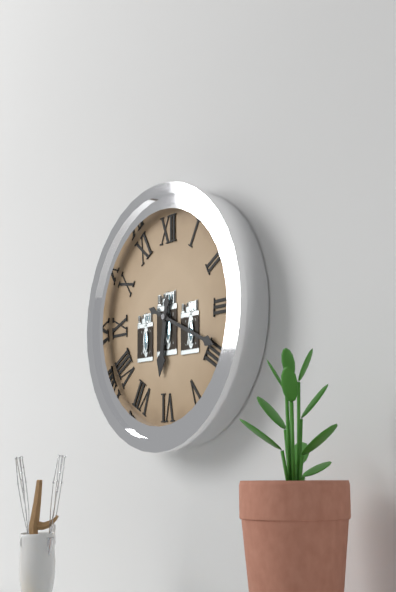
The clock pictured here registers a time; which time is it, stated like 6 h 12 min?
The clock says 6 h 19 min
